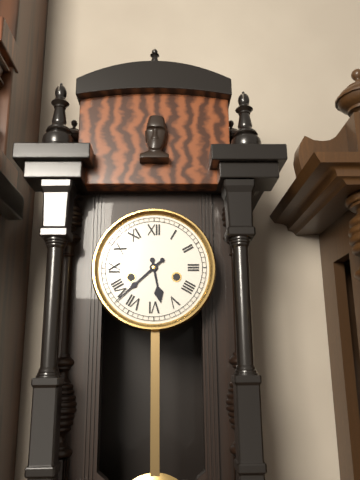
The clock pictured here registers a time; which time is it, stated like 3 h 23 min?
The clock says 5 h 38 min
